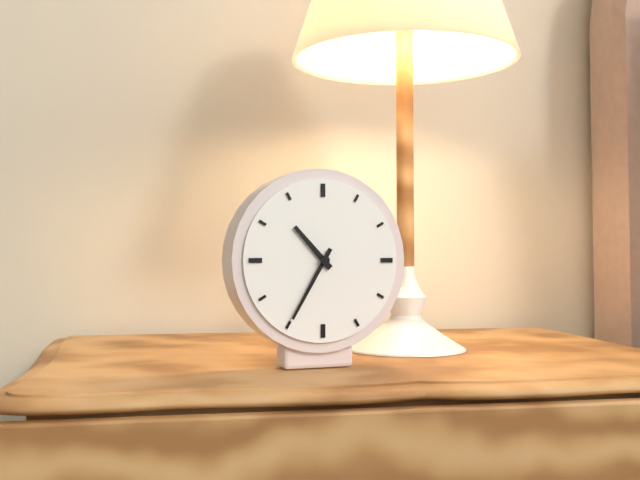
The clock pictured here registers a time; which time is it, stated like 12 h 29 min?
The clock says 10 h 35 min
